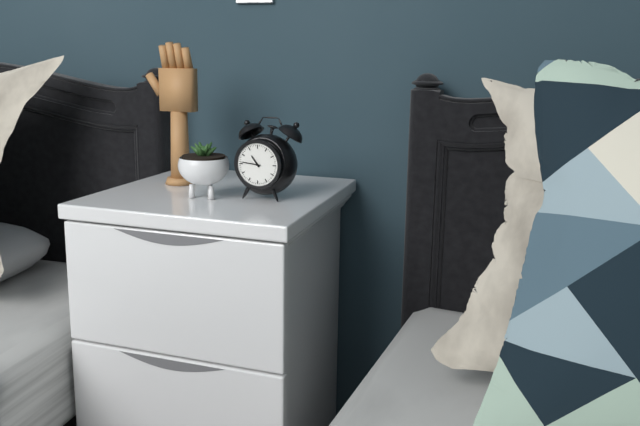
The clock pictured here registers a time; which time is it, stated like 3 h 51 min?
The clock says 10 h 46 min
